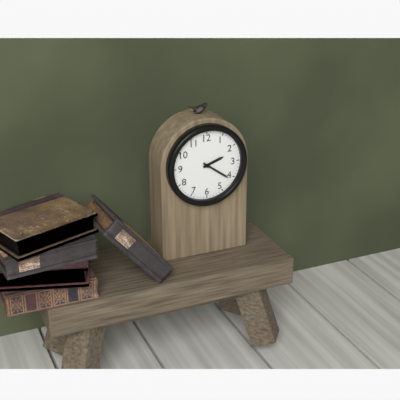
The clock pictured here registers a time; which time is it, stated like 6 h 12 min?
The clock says 2 h 21 min
